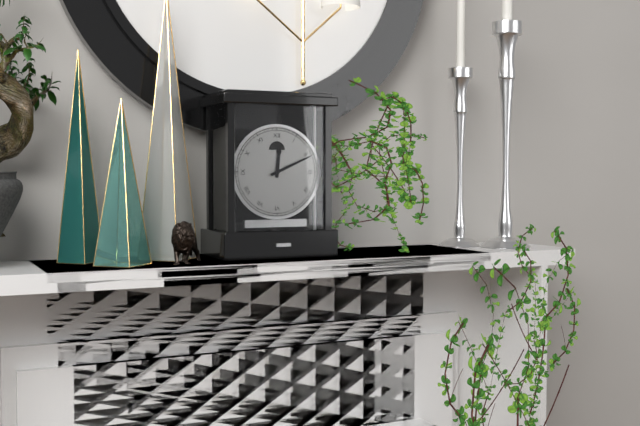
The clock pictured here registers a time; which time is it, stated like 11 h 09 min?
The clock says 12 h 11 min
